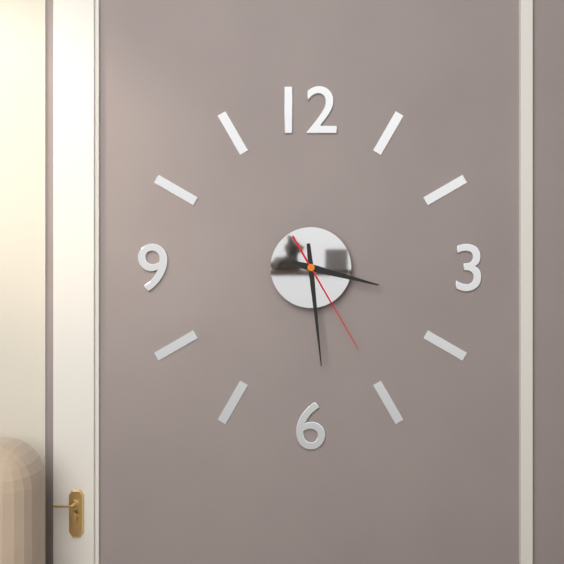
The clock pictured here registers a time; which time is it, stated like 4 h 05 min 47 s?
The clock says 3 h 29 min 25 s
